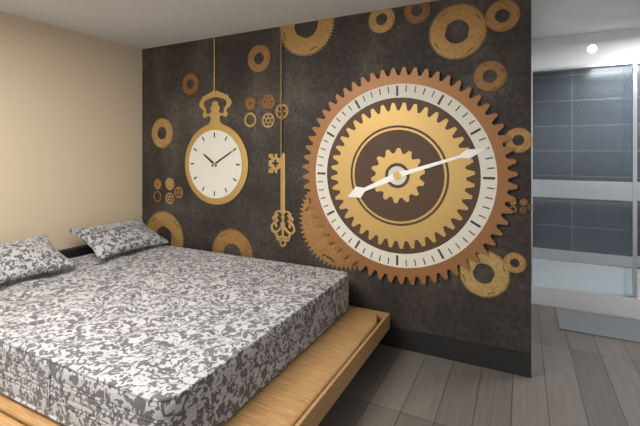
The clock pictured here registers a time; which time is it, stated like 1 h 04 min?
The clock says 8 h 12 min
